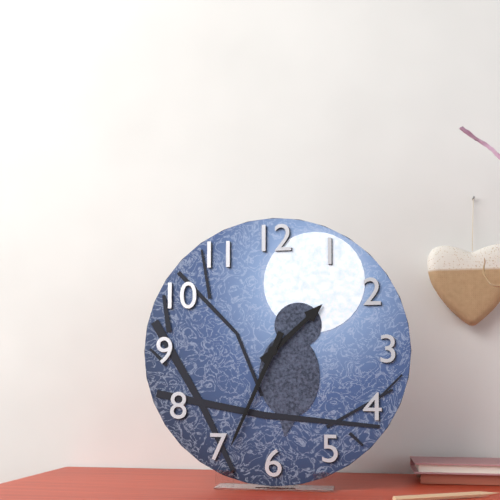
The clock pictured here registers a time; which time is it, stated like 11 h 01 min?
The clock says 1 h 34 min
